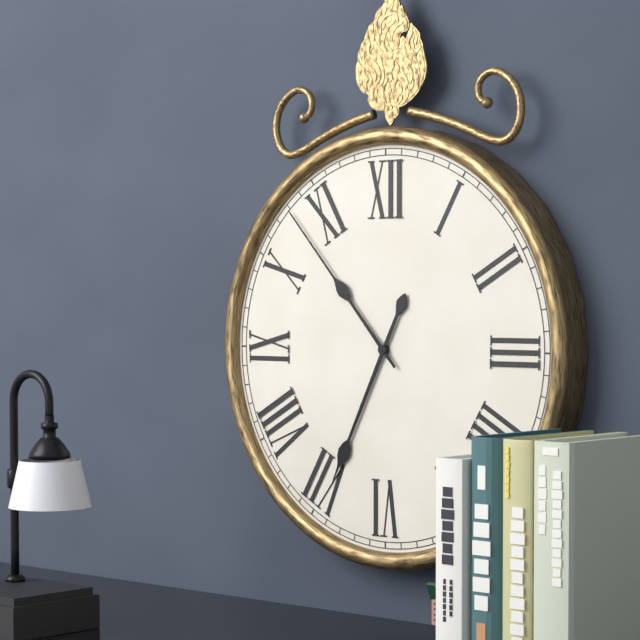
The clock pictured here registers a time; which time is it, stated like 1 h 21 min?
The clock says 6 h 53 min
